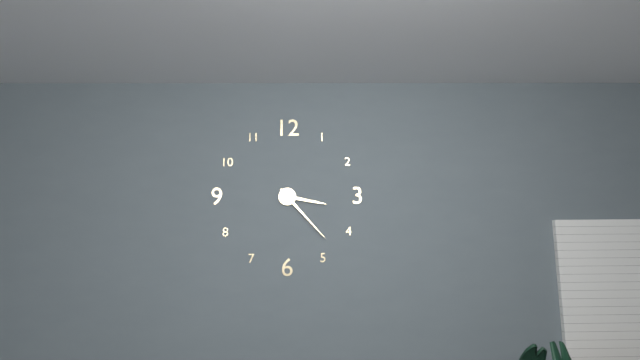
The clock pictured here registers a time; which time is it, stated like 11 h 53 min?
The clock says 3 h 23 min
